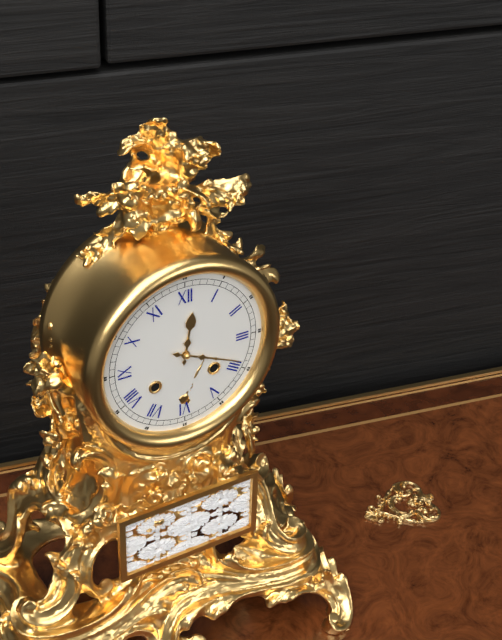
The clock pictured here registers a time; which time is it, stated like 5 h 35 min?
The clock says 12 h 19 min
